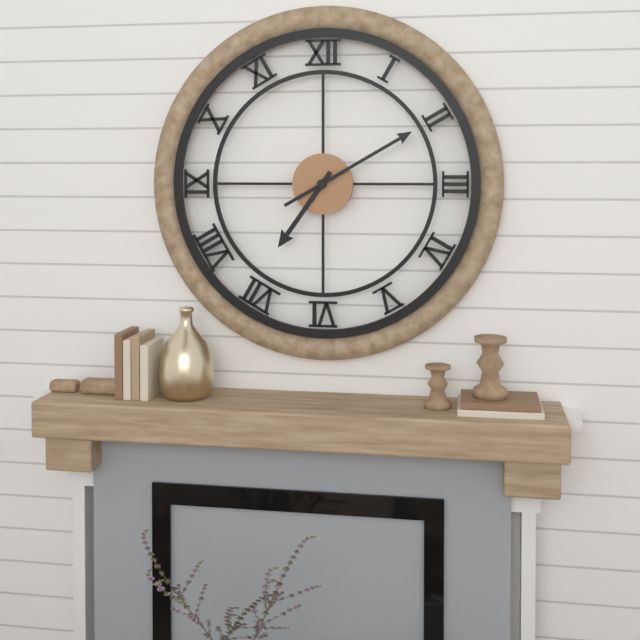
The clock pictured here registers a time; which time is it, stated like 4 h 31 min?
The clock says 7 h 10 min
